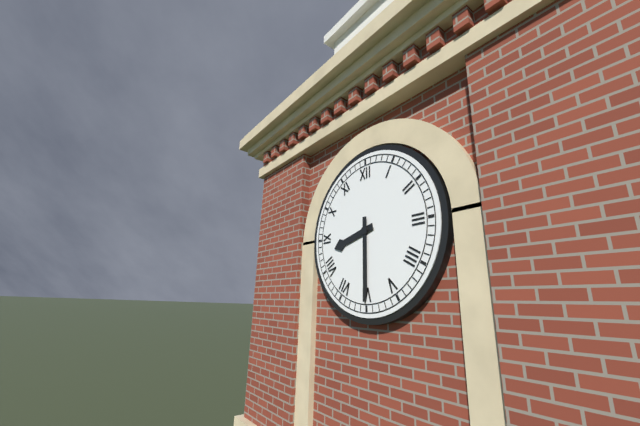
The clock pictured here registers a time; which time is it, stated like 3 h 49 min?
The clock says 8 h 30 min
